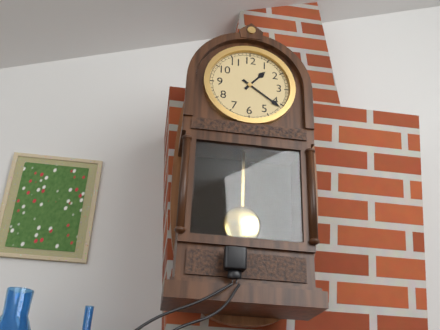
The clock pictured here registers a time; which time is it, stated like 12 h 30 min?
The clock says 1 h 21 min
